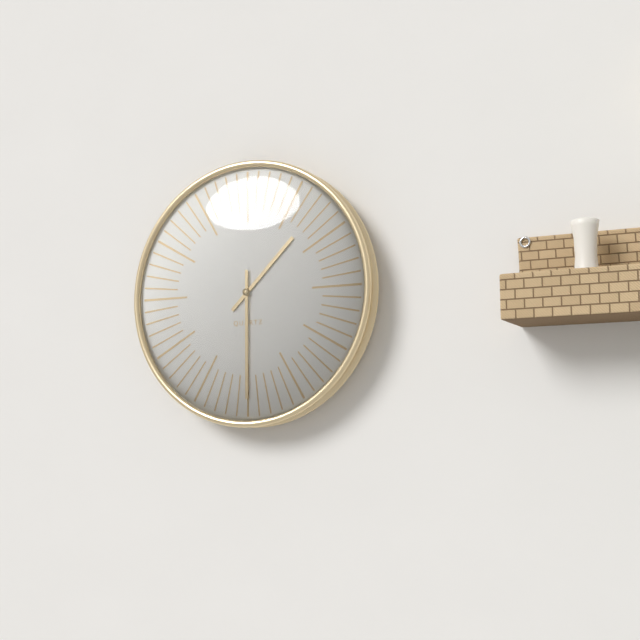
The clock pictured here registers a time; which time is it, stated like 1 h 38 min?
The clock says 1 h 30 min
